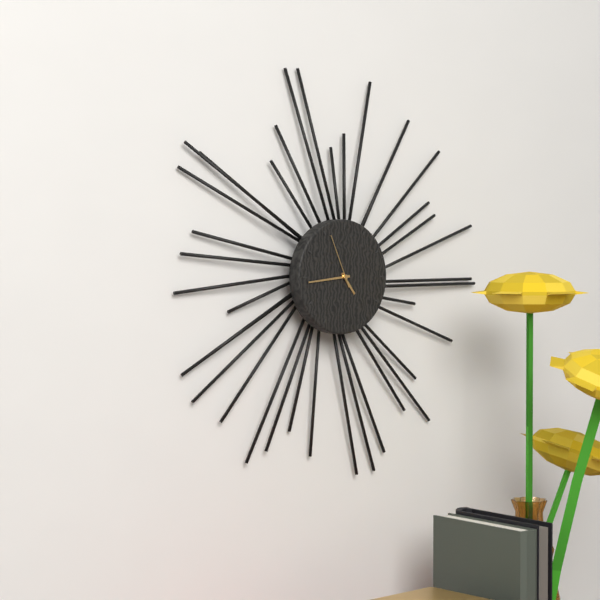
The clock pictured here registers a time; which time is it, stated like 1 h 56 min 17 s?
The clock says 4 h 44 min 56 s
